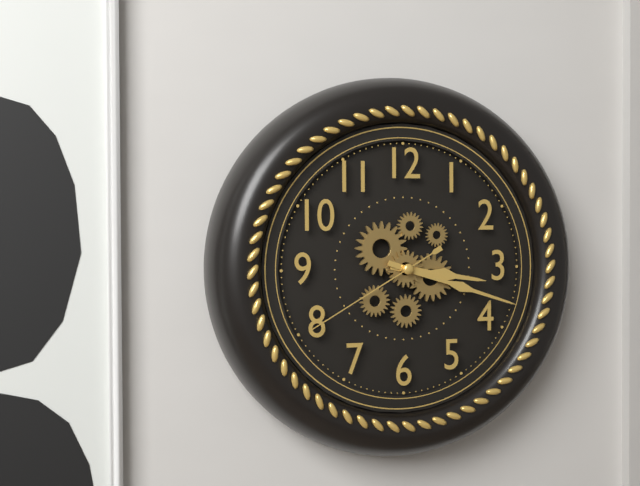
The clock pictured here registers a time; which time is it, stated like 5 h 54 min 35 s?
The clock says 3 h 18 min 40 s
